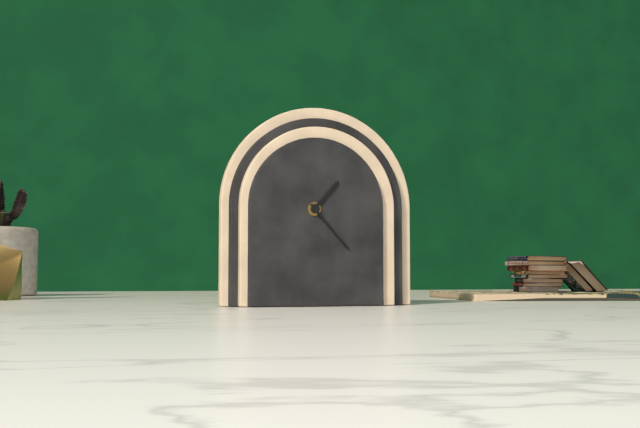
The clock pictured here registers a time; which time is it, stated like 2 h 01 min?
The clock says 1 h 23 min
